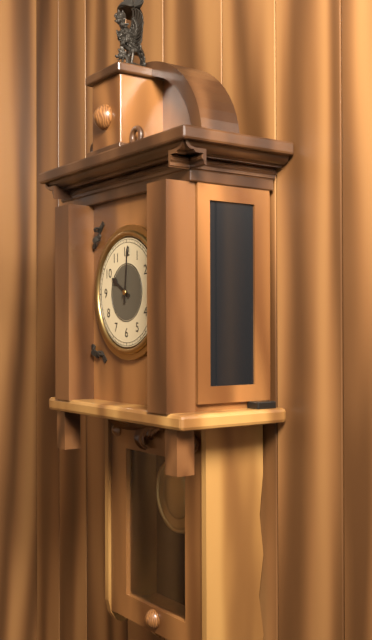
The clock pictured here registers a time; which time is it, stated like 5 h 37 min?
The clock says 10 h 01 min
